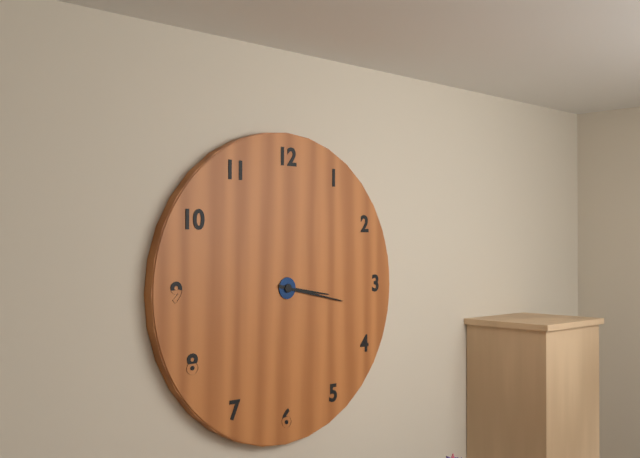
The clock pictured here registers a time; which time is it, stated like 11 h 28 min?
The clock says 3 h 17 min
